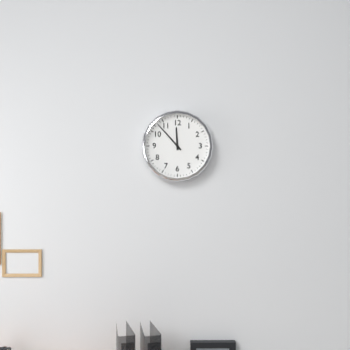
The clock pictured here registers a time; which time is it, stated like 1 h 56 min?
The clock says 11 h 53 min
